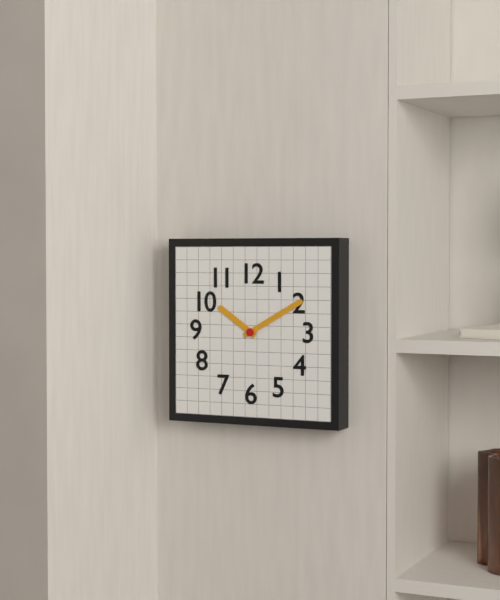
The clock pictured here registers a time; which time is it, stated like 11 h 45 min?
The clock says 10 h 10 min
